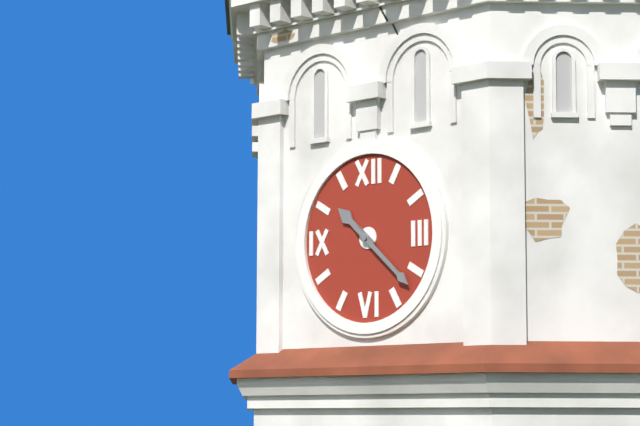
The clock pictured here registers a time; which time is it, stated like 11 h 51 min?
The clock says 10 h 22 min
